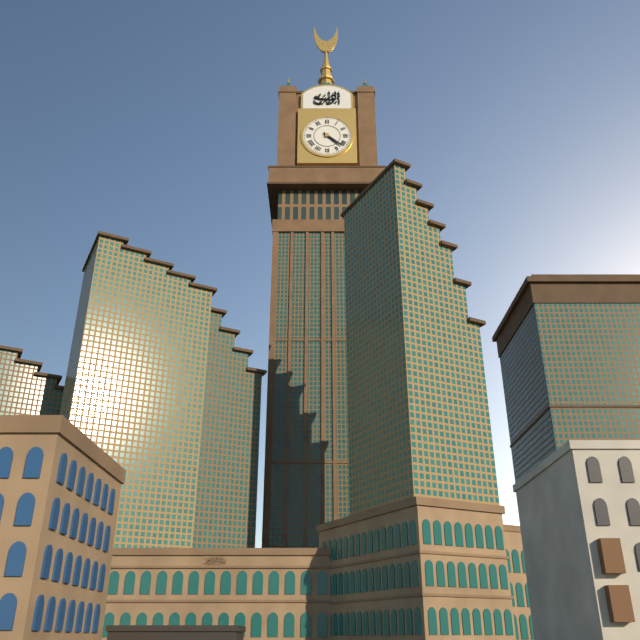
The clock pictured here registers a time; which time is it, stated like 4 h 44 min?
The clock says 4 h 22 min
